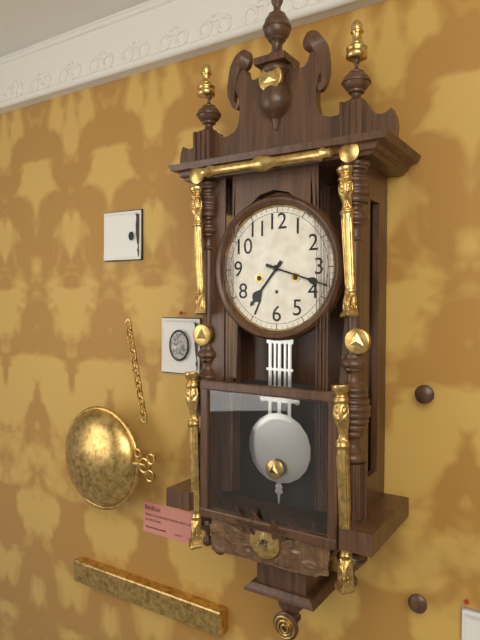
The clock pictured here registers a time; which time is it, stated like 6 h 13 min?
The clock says 7 h 18 min
